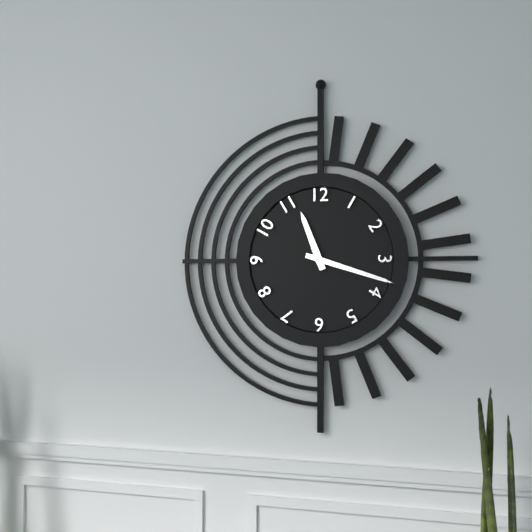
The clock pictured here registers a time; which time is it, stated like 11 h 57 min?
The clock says 11 h 18 min
